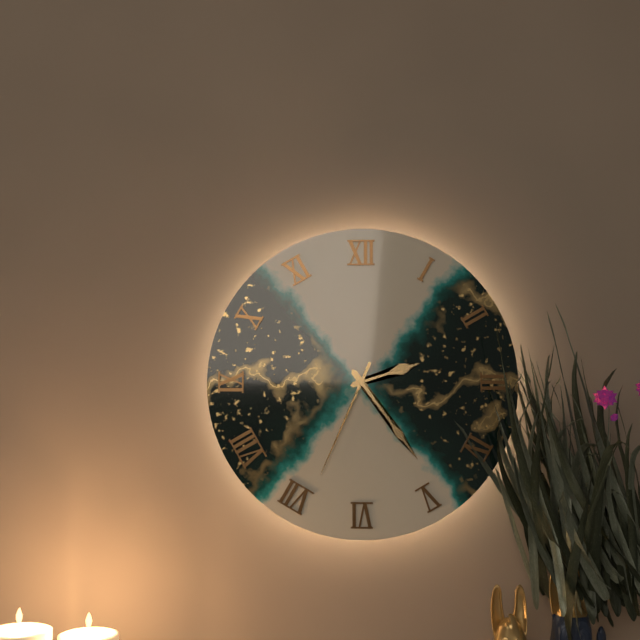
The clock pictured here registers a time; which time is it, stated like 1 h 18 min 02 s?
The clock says 2 h 24 min 34 s
